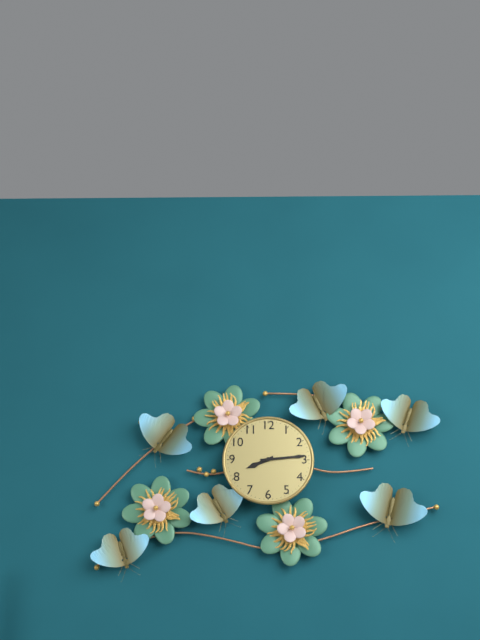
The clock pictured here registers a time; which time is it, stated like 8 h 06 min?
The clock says 8 h 14 min
